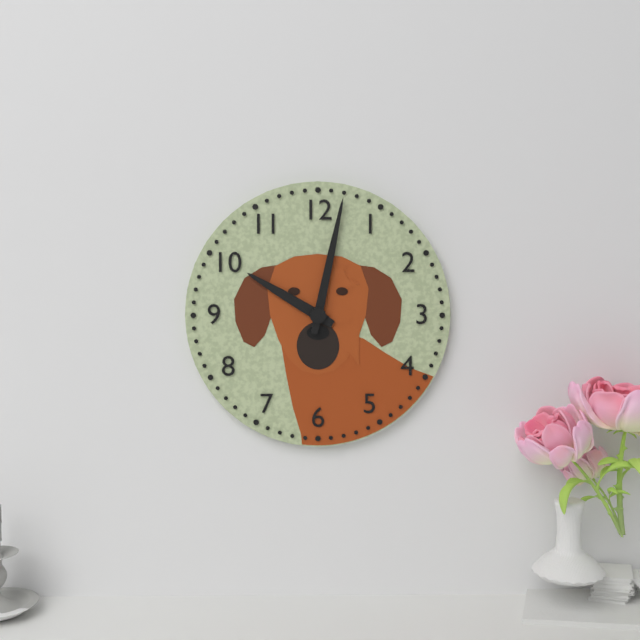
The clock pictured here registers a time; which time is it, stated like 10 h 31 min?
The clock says 10 h 02 min
